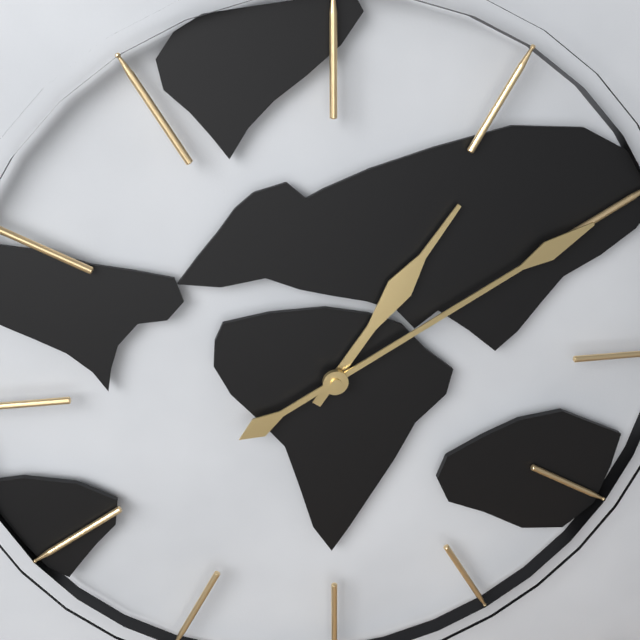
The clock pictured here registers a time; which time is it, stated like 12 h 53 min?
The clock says 1 h 10 min
